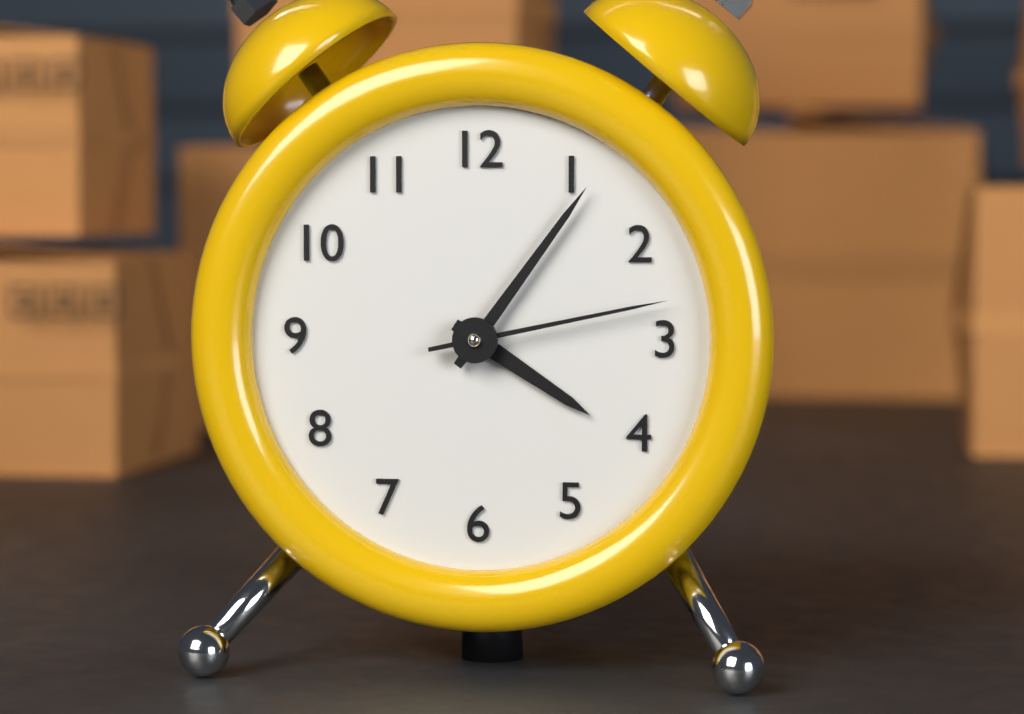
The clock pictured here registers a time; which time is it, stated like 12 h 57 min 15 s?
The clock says 4 h 06 min 13 s
